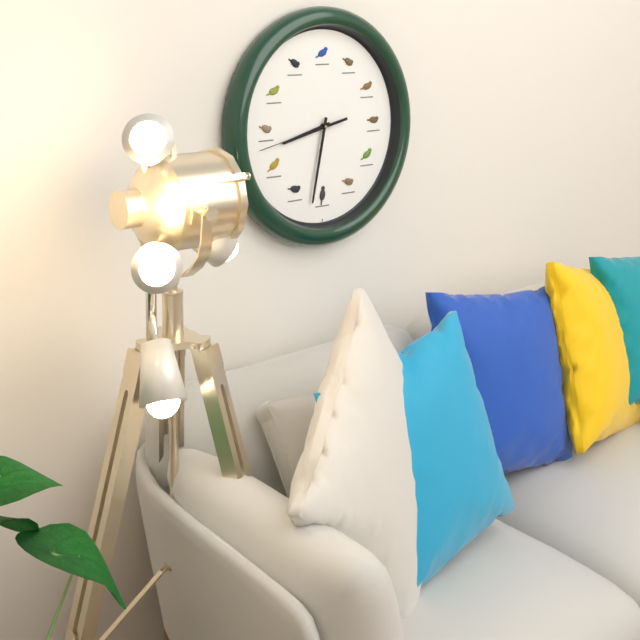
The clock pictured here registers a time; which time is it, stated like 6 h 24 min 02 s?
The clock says 8 h 32 min 43 s
